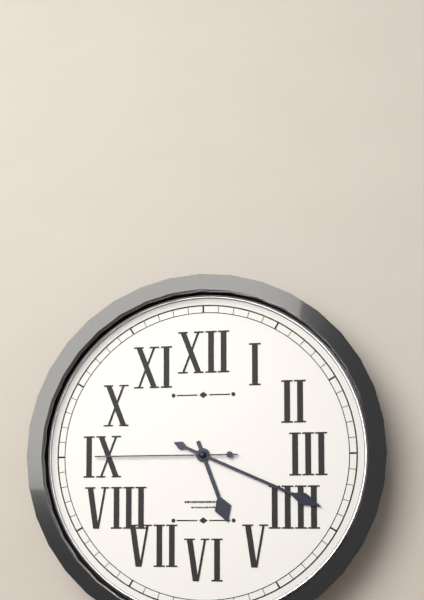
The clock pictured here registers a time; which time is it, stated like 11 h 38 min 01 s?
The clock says 5 h 19 min 45 s
